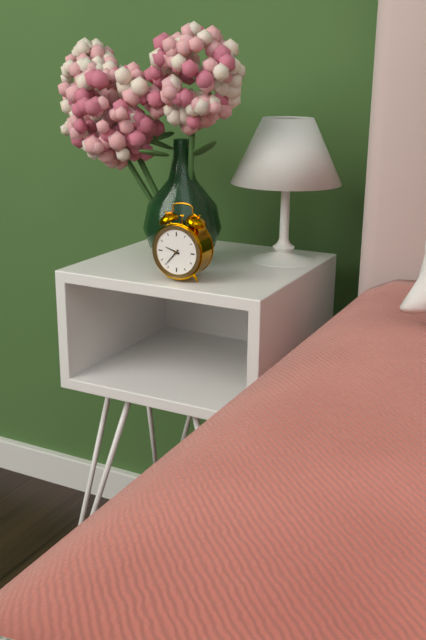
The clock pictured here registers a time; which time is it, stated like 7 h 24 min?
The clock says 9 h 37 min
